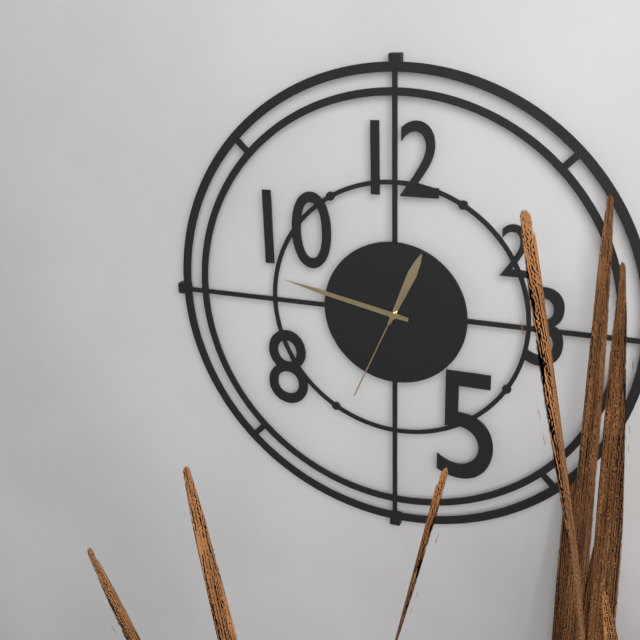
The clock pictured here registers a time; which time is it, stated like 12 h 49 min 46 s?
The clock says 12 h 47 min 34 s
